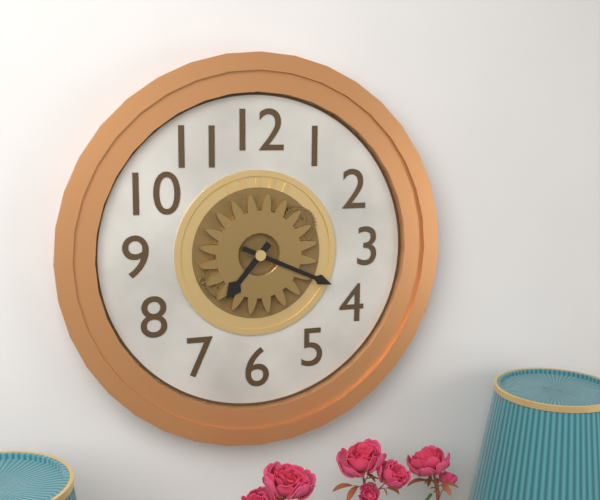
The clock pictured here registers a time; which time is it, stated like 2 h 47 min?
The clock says 7 h 19 min
